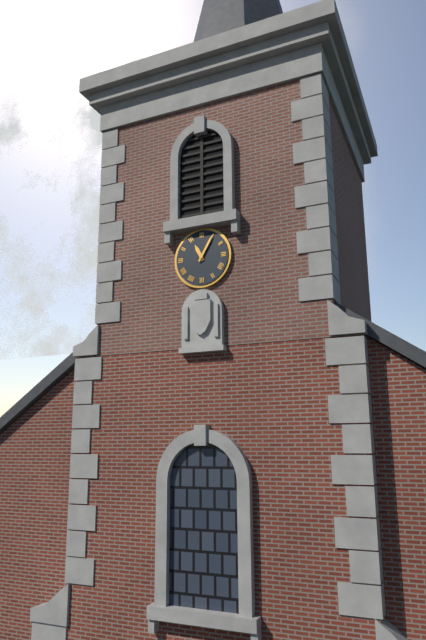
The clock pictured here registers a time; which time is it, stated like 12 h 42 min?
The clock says 11 h 05 min
